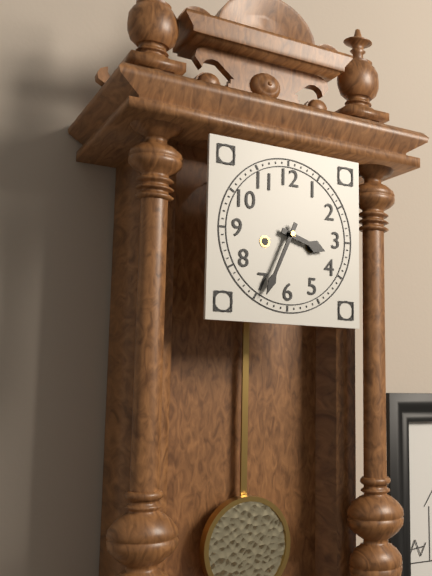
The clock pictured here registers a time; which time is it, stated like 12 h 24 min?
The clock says 3 h 34 min
